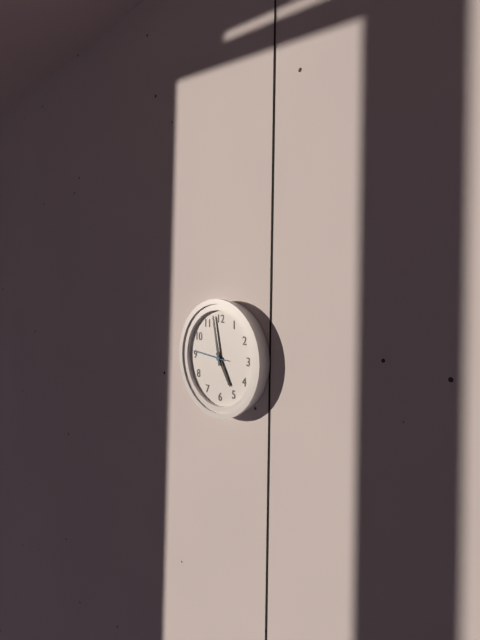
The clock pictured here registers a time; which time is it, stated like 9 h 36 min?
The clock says 4 h 58 min
